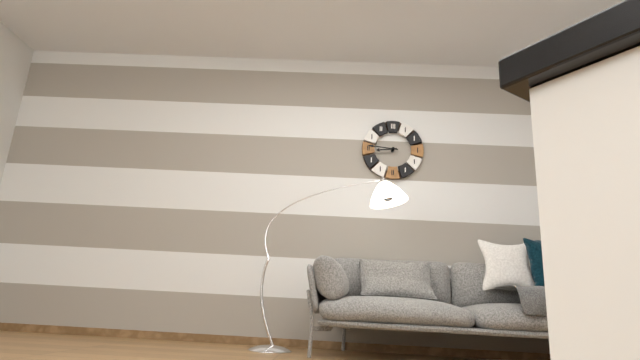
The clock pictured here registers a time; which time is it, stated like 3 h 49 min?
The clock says 8 h 46 min
